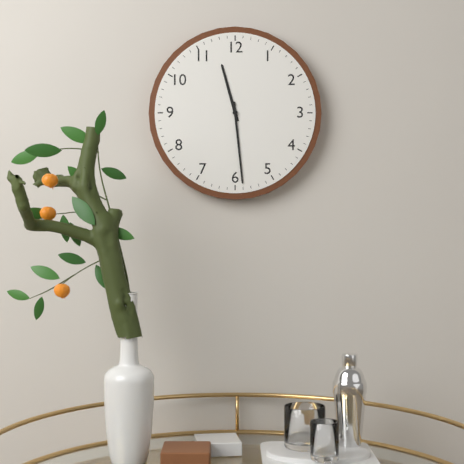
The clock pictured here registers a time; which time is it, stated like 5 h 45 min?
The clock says 11 h 29 min
